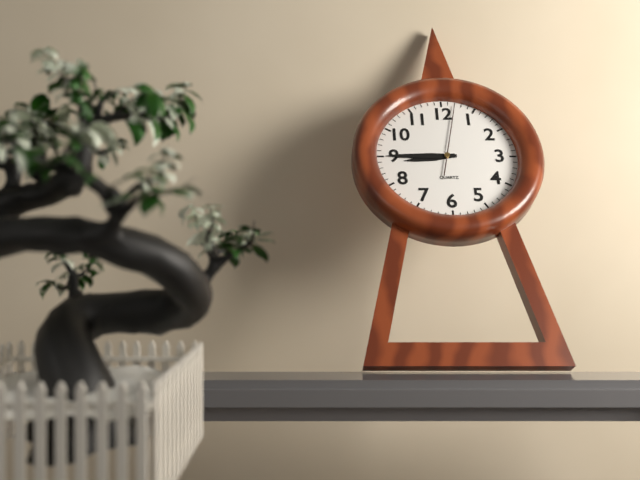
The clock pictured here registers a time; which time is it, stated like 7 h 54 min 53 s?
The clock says 8 h 45 min 02 s
